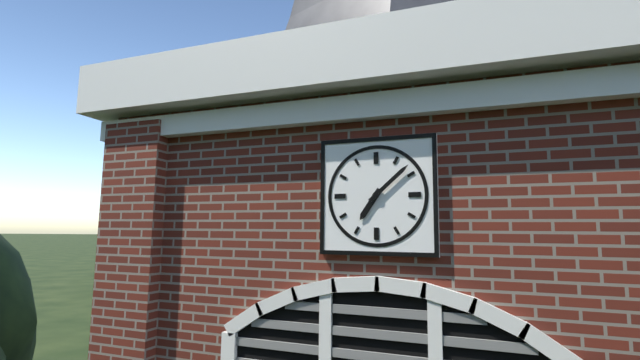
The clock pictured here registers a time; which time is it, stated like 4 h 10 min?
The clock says 7 h 08 min
